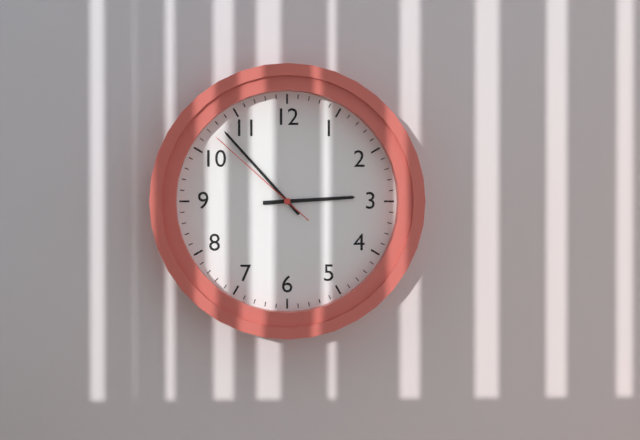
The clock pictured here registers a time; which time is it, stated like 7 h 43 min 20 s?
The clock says 2 h 53 min 52 s
